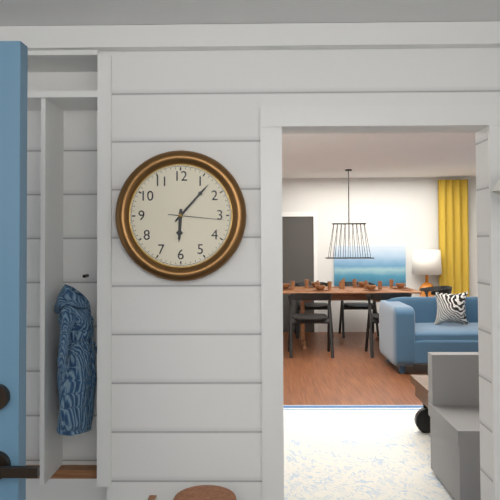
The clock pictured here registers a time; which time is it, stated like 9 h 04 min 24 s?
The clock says 6 h 07 min 16 s
